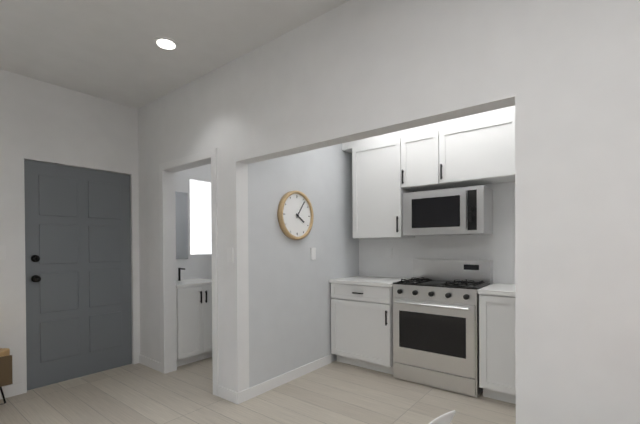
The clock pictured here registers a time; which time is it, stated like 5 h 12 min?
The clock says 4 h 06 min
